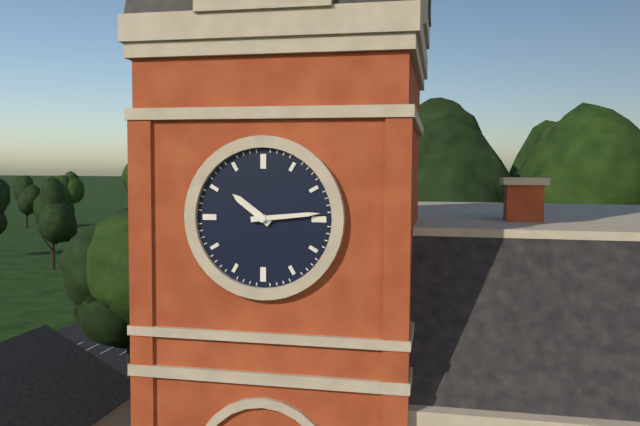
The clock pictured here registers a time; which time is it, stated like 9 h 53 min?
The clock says 10 h 14 min
